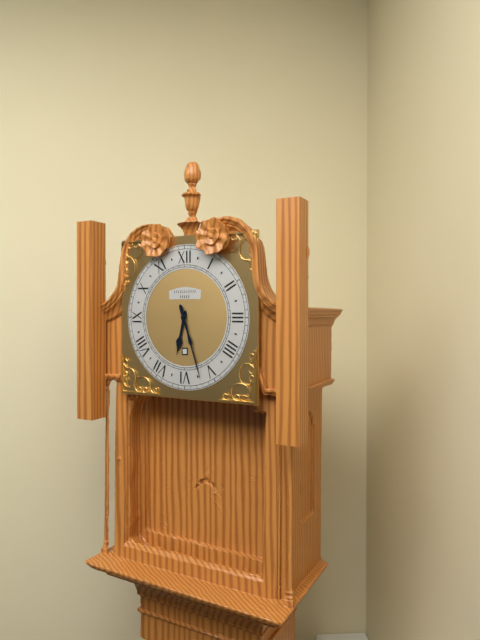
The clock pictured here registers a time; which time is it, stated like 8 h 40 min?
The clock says 6 h 27 min
